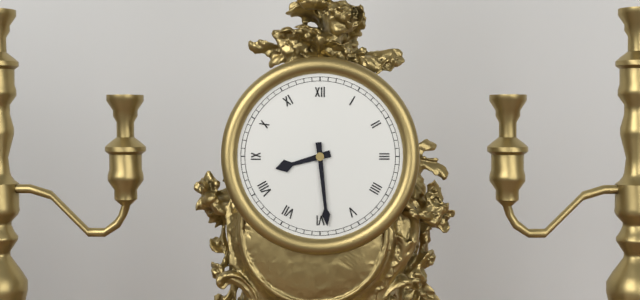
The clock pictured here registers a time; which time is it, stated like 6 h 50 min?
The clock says 8 h 29 min
